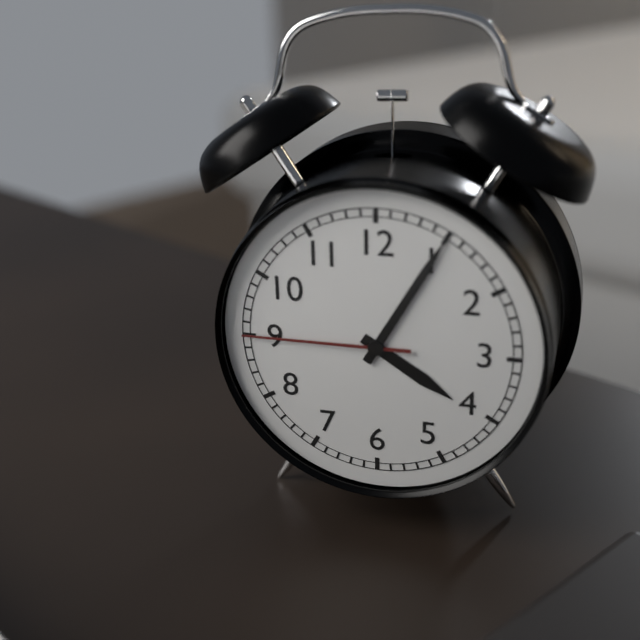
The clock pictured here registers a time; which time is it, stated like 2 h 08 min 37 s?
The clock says 4 h 05 min 45 s
